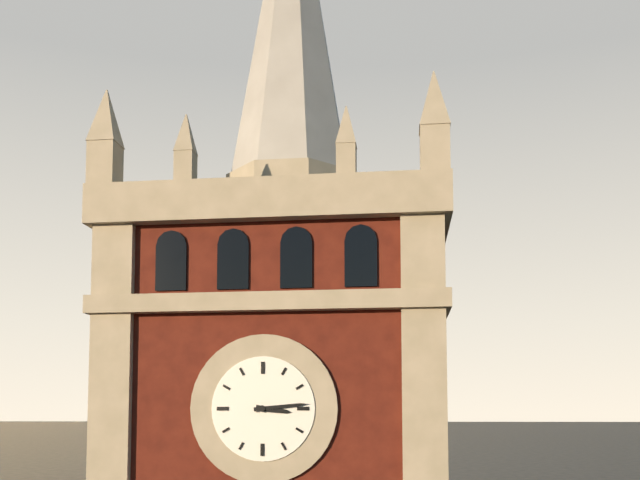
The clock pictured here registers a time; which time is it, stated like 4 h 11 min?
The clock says 3 h 14 min
